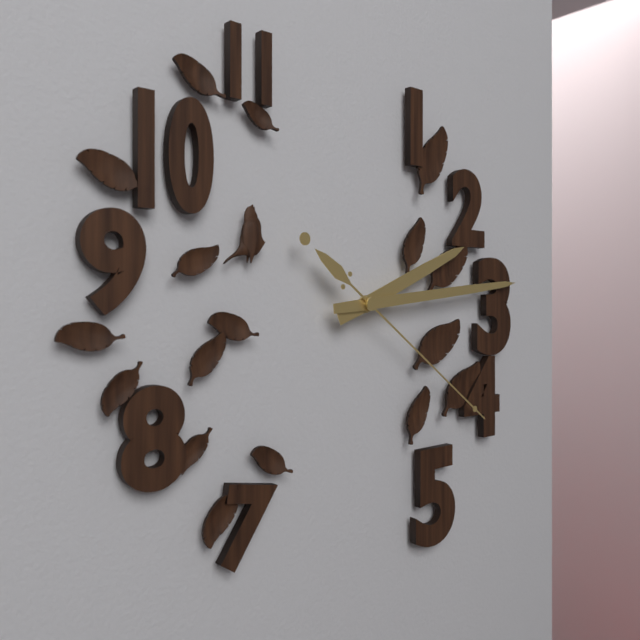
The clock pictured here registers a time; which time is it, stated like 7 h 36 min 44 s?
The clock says 2 h 14 min 21 s
